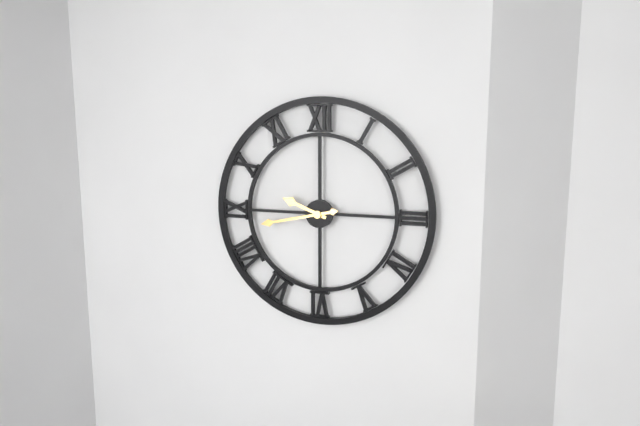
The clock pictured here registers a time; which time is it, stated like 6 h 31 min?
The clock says 9 h 43 min
